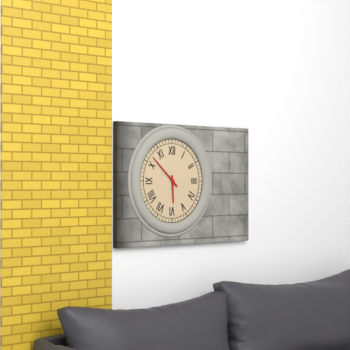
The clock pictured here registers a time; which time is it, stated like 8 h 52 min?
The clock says 5 h 52 min
